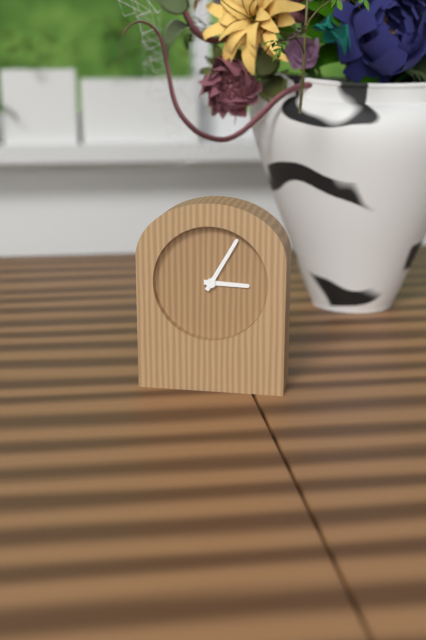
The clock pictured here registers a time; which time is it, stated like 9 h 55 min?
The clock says 3 h 05 min
